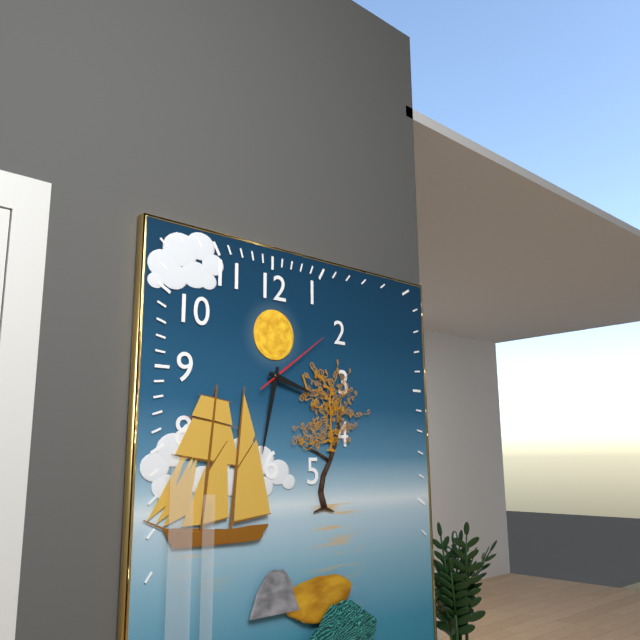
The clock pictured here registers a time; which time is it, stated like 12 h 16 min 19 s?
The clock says 3 h 32 min 09 s
